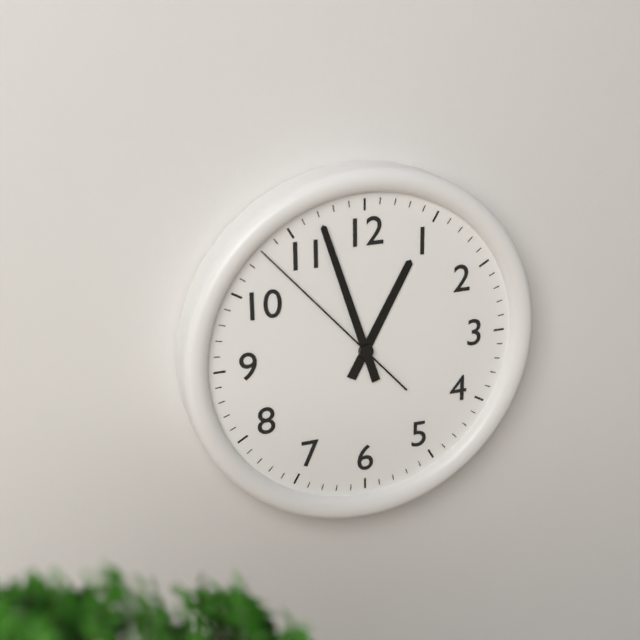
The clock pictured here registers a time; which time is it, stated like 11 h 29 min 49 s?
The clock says 12 h 57 min 53 s
